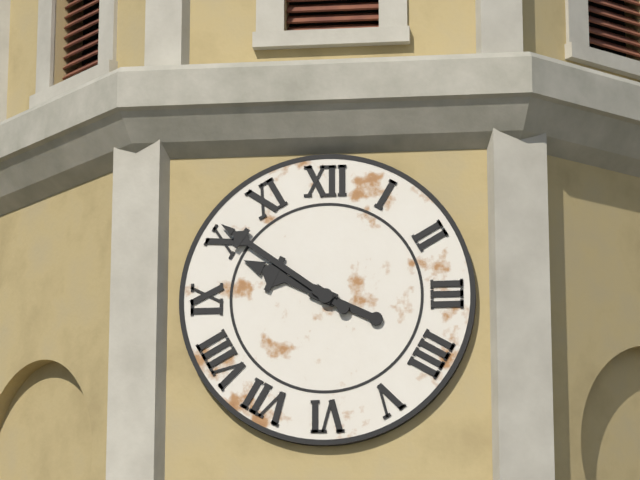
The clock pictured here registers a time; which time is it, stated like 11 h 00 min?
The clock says 9 h 51 min
